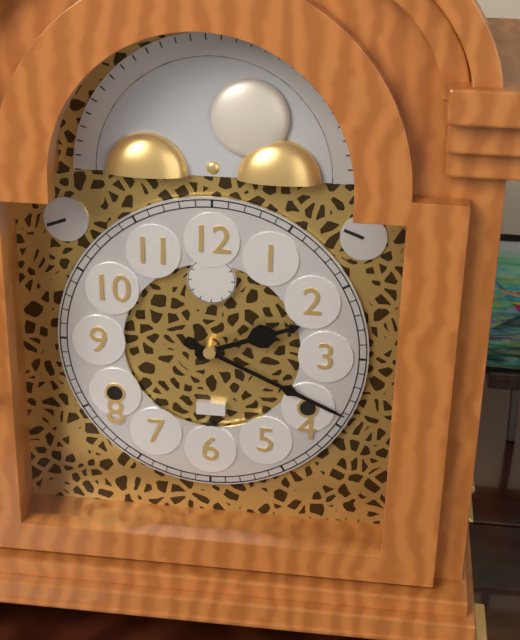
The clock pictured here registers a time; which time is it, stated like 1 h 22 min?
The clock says 2 h 19 min
